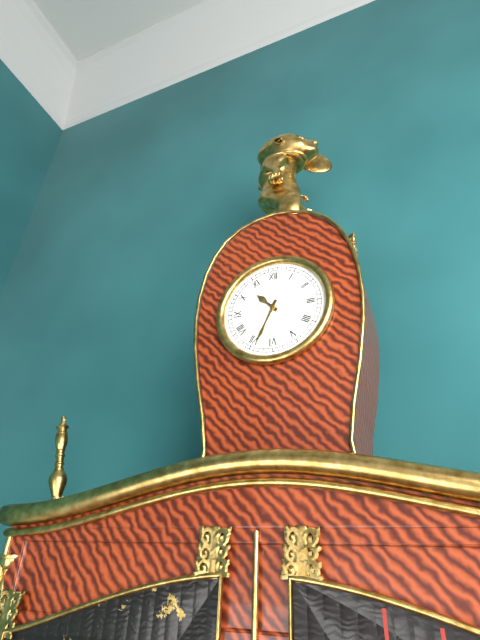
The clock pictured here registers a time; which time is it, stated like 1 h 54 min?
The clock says 10 h 34 min
